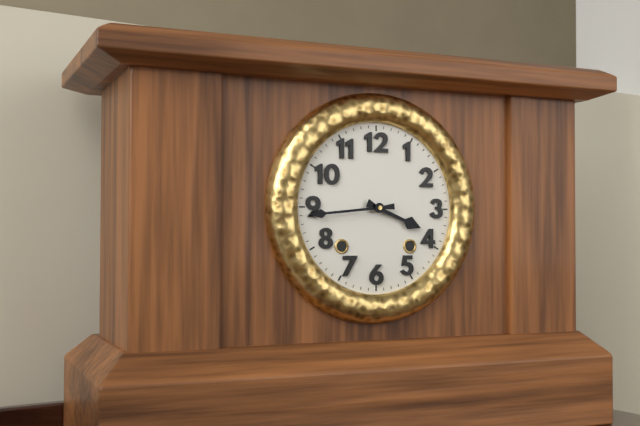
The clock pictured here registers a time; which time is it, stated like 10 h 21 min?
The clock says 3 h 44 min
